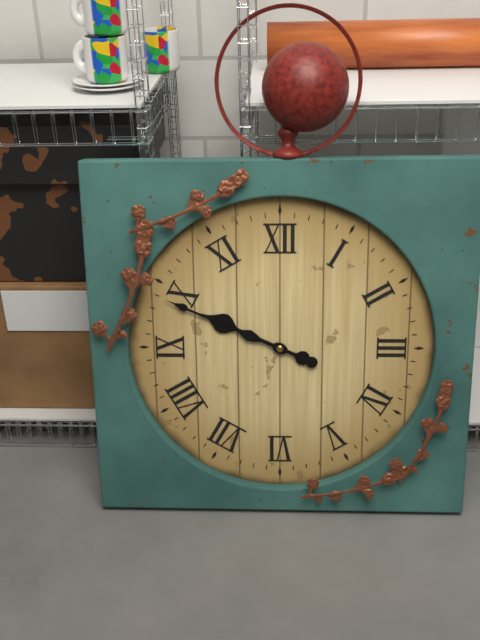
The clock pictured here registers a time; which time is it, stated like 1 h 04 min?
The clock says 9 h 49 min
